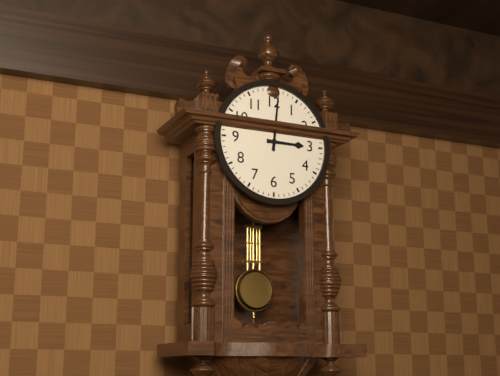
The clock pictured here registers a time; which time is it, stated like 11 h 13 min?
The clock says 3 h 01 min
